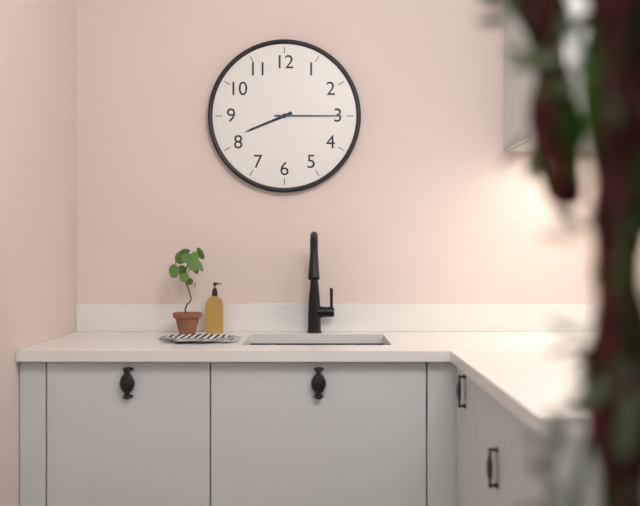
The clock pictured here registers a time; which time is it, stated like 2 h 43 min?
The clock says 8 h 15 min
